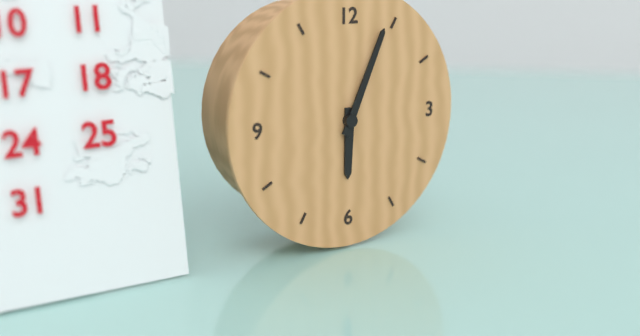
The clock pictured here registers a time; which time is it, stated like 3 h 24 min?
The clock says 6 h 04 min
